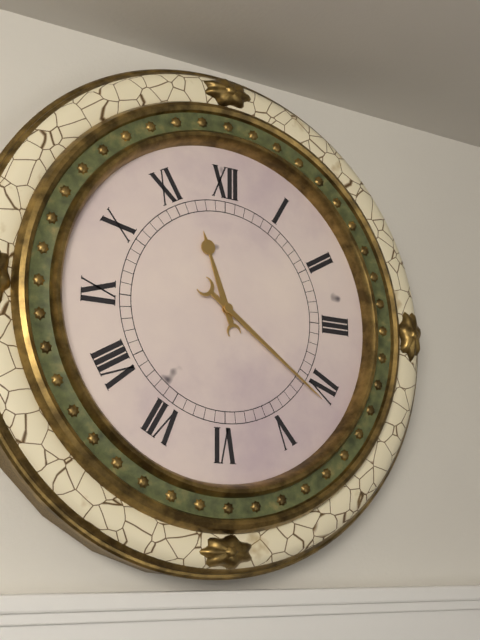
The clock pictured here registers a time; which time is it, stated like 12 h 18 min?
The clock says 11 h 21 min
